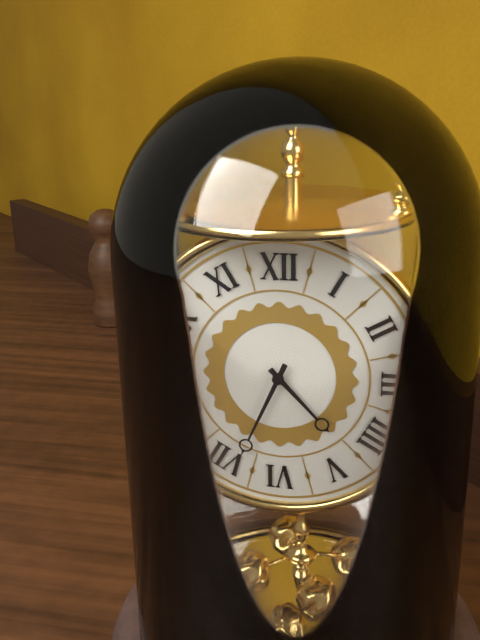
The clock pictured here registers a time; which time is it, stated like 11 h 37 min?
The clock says 4 h 34 min
